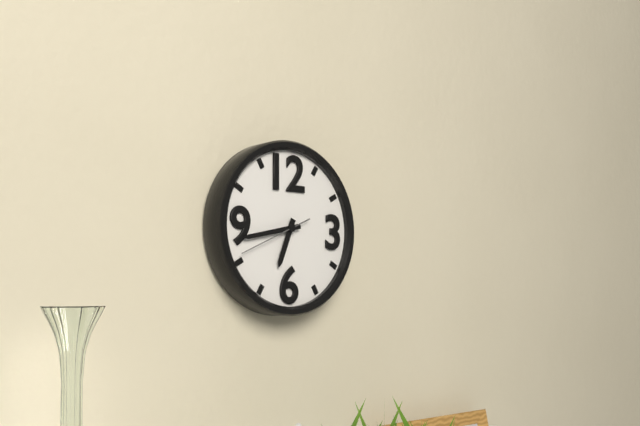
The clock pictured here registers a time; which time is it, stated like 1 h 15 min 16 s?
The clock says 6 h 43 min 41 s
